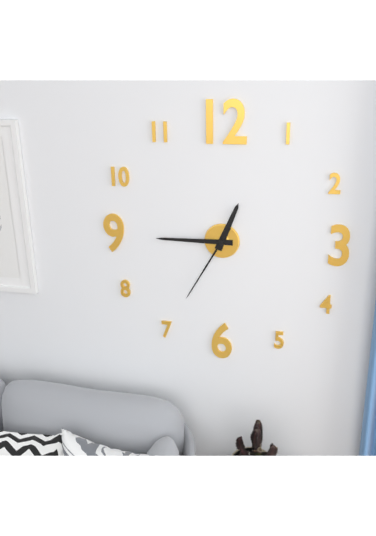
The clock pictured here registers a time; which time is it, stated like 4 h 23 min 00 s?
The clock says 12 h 45 min 35 s
